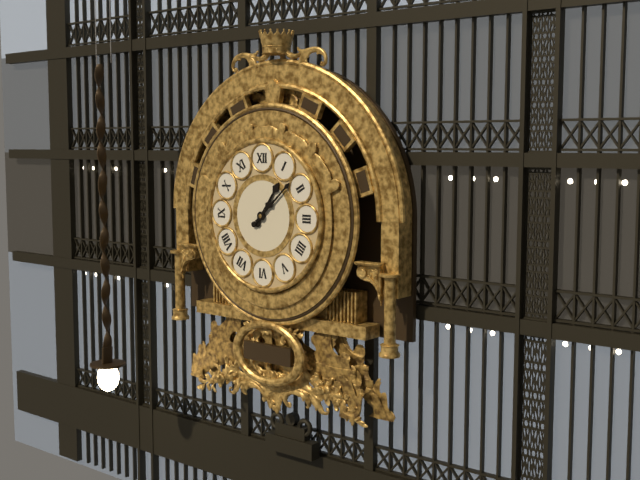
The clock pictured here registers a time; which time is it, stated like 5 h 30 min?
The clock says 1 h 08 min
